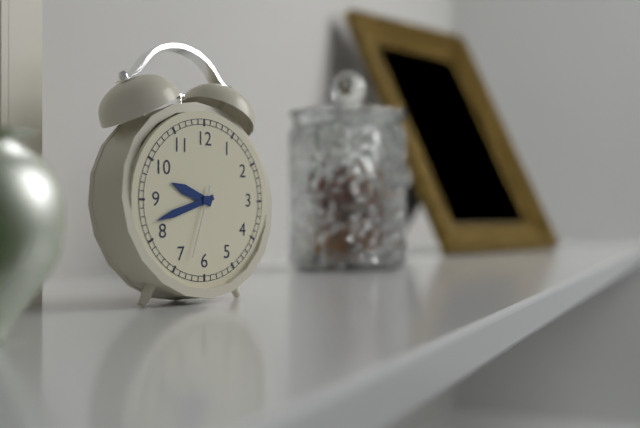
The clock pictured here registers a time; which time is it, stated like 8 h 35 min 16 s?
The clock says 9 h 42 min 33 s
